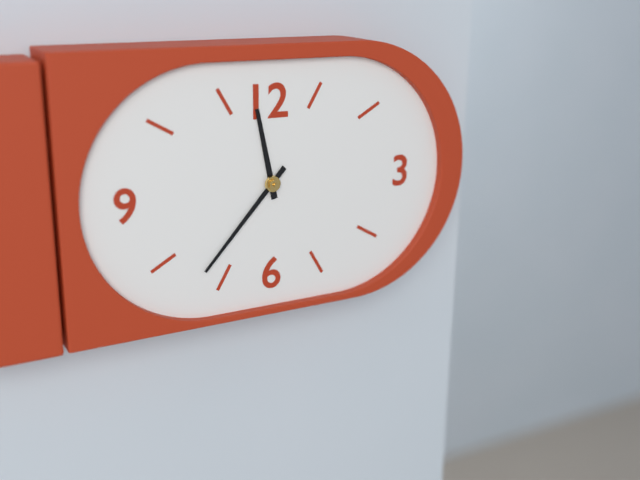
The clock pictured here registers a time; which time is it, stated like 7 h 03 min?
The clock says 11 h 37 min
